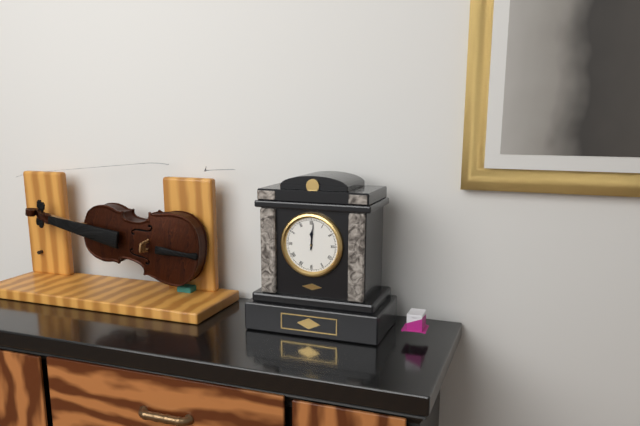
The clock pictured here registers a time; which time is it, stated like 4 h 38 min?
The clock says 12 h 01 min
